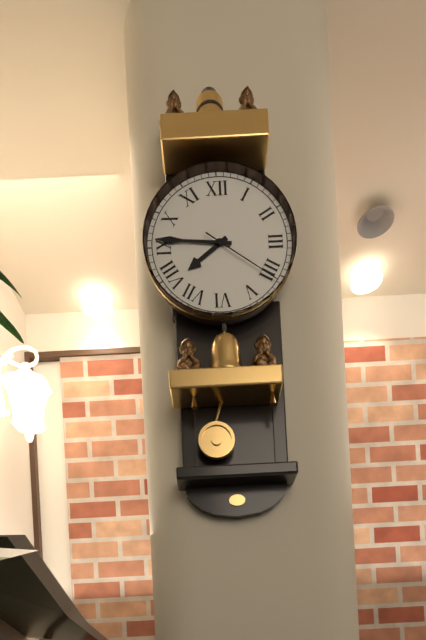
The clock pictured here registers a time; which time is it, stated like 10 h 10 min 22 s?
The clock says 7 h 46 min 21 s
